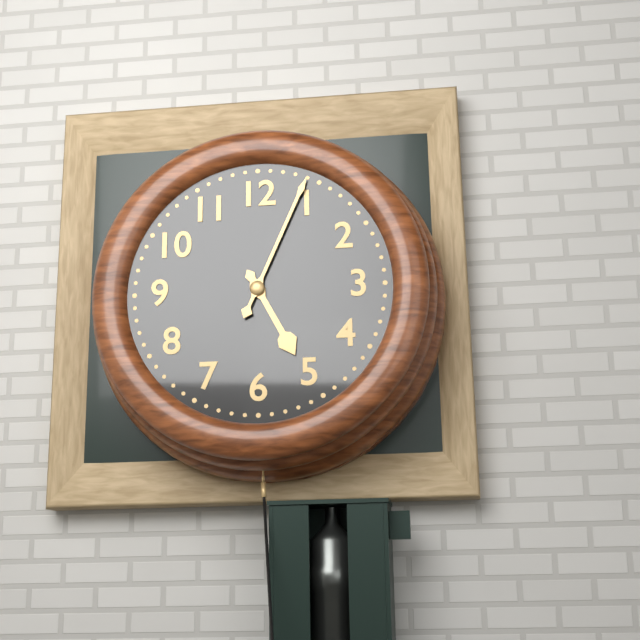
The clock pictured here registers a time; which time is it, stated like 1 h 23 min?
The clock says 5 h 04 min
